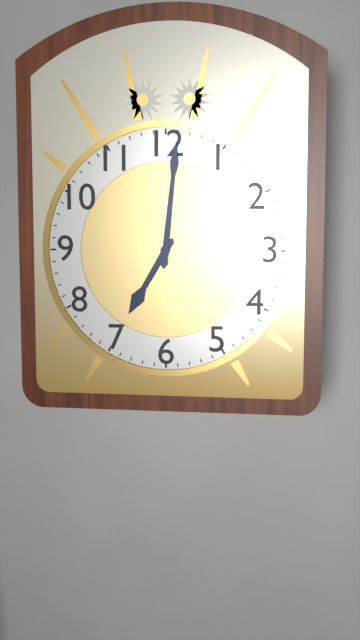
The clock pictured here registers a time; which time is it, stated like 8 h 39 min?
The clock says 7 h 01 min
